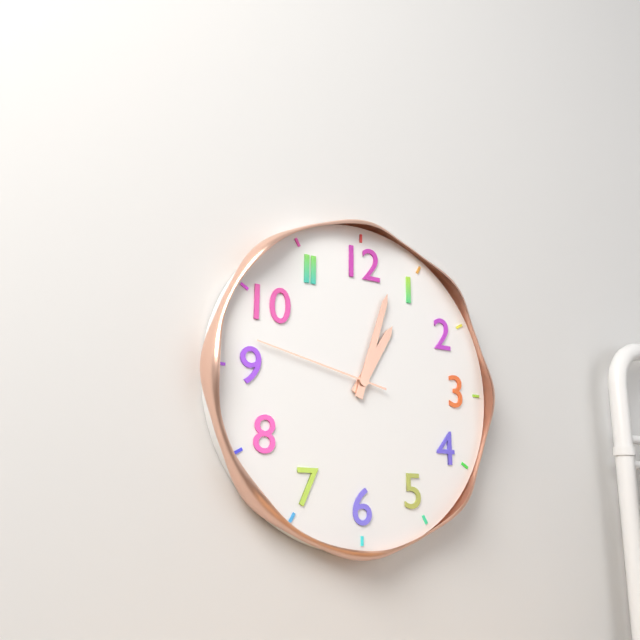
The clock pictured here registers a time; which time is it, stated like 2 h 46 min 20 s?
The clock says 1 h 03 min 47 s
